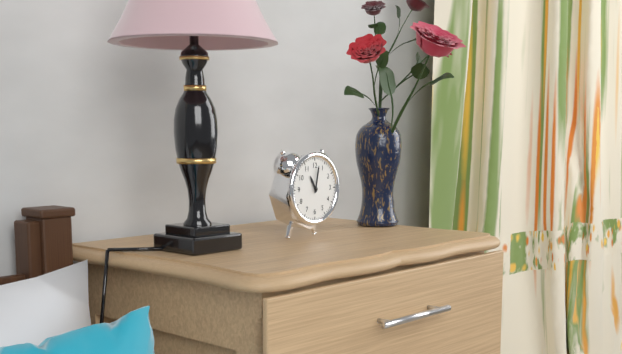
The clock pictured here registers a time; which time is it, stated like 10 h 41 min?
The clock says 11 h 02 min
